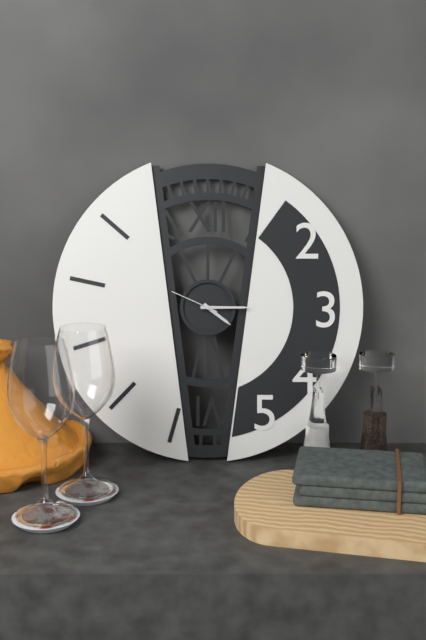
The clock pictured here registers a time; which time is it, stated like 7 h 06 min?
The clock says 4 h 15 min
